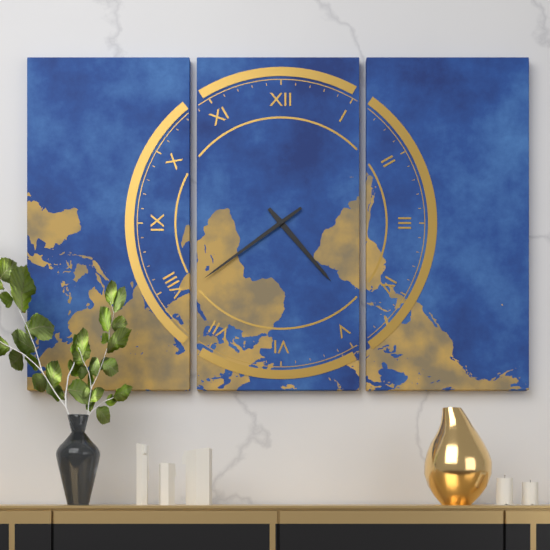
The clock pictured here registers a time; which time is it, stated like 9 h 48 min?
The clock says 4 h 39 min
